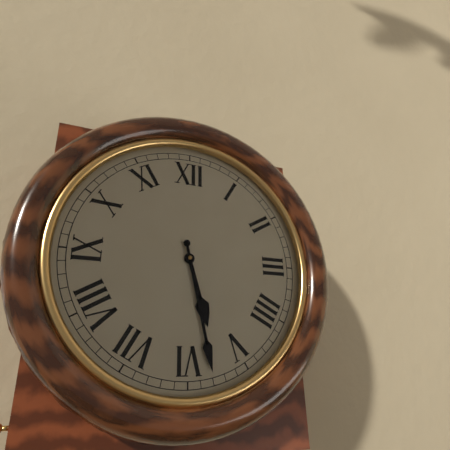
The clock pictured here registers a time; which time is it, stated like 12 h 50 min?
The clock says 5 h 28 min
